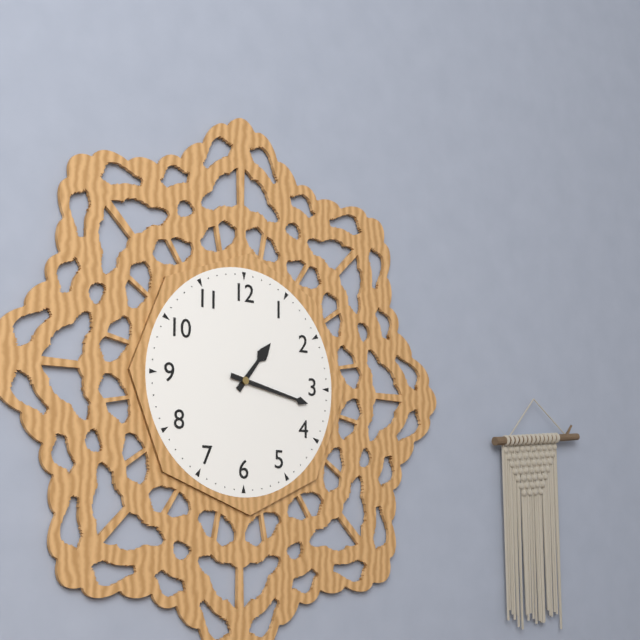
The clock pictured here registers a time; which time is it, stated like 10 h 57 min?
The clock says 1 h 17 min
